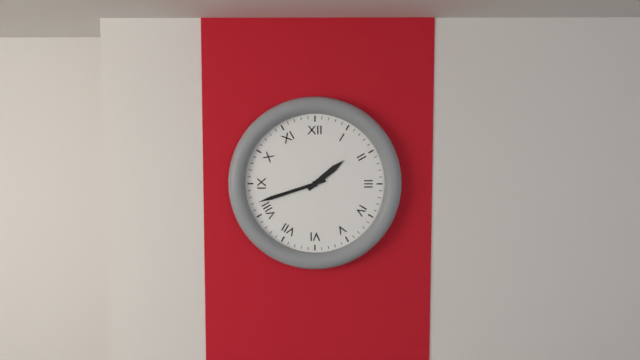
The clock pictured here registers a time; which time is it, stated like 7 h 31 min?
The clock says 1 h 42 min
